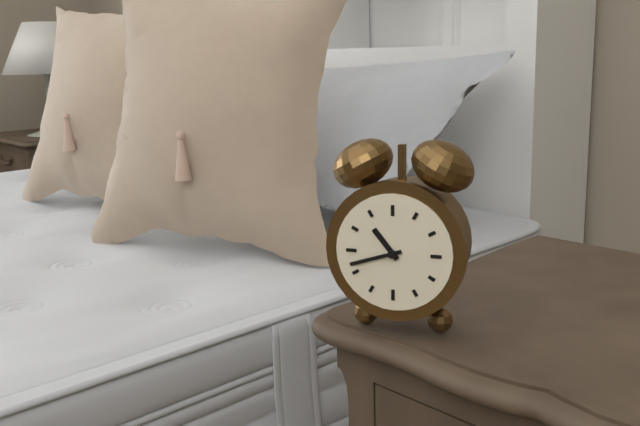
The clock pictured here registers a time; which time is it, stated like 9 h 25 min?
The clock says 10 h 42 min
